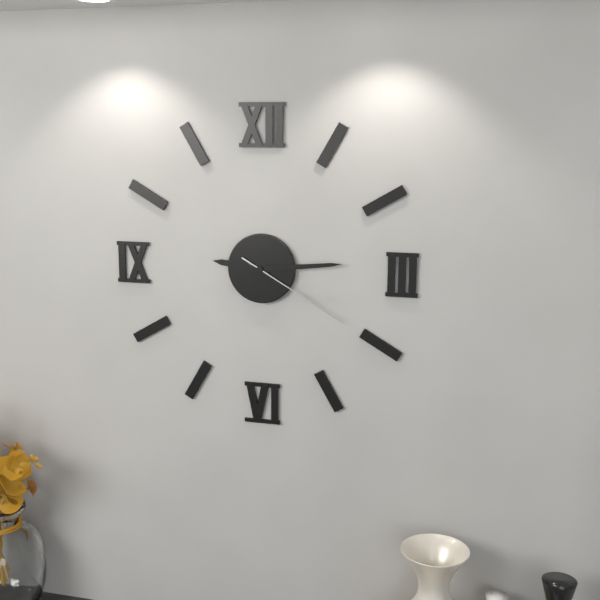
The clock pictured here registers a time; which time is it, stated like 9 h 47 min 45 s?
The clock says 9 h 14 min 20 s
